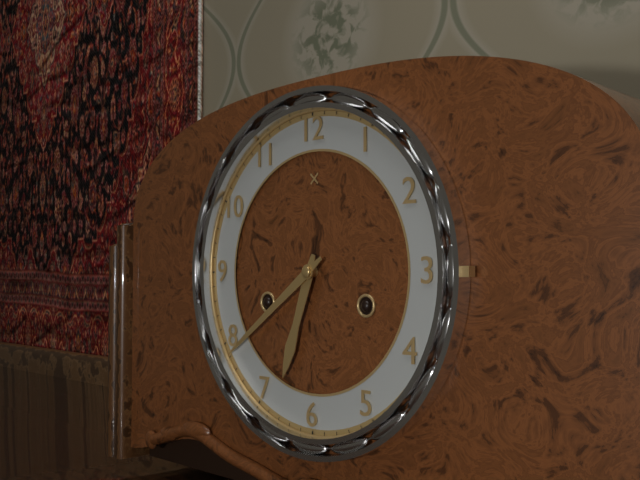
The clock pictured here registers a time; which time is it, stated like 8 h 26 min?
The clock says 6 h 39 min
